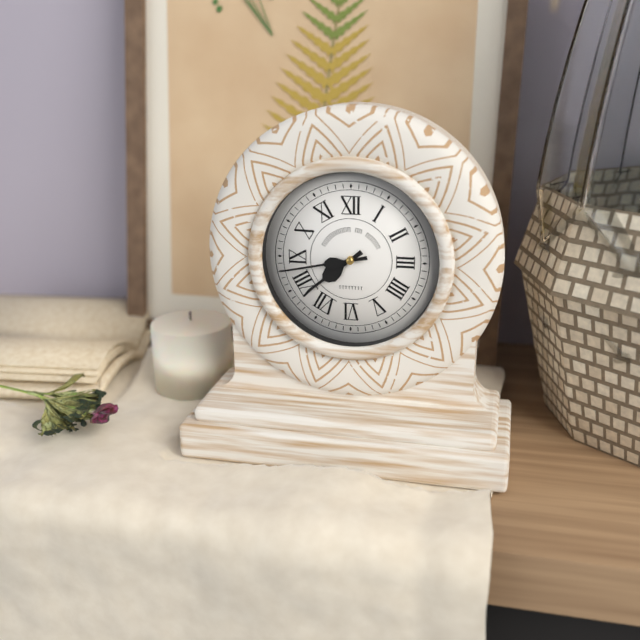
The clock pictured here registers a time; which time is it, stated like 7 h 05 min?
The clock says 7 h 43 min
